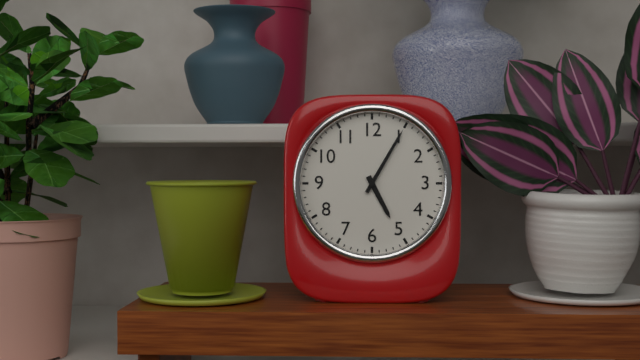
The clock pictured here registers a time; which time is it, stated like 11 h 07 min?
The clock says 5 h 05 min
